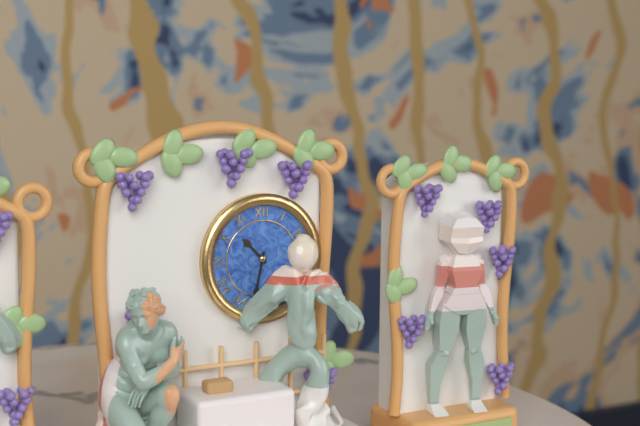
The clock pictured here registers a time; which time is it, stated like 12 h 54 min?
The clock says 10 h 32 min
